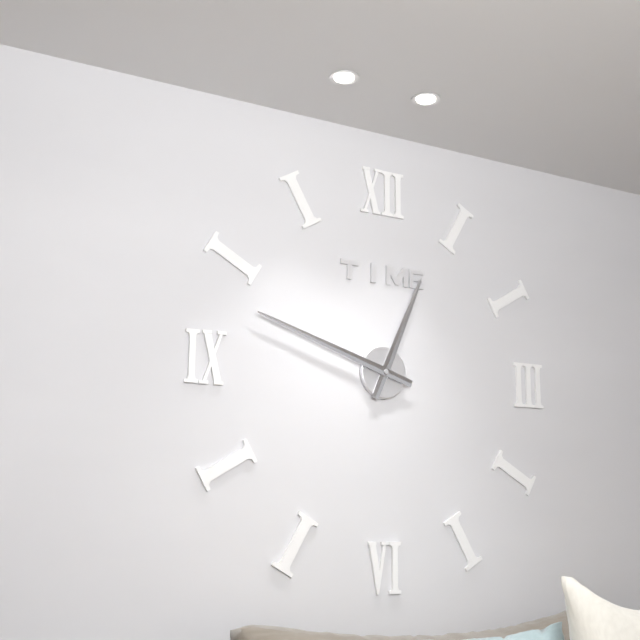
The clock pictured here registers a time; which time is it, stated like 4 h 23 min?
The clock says 12 h 48 min
